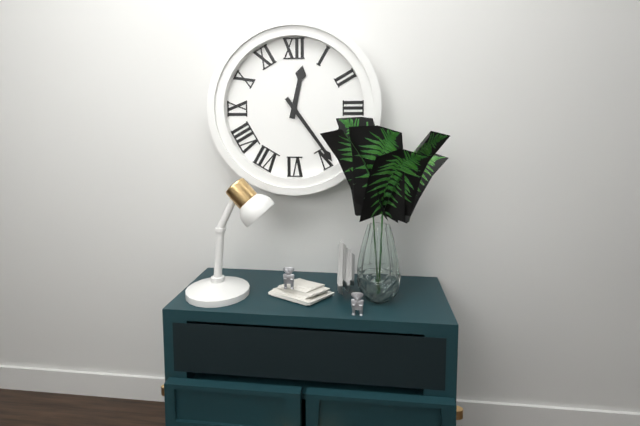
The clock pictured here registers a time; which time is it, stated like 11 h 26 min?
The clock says 12 h 24 min
